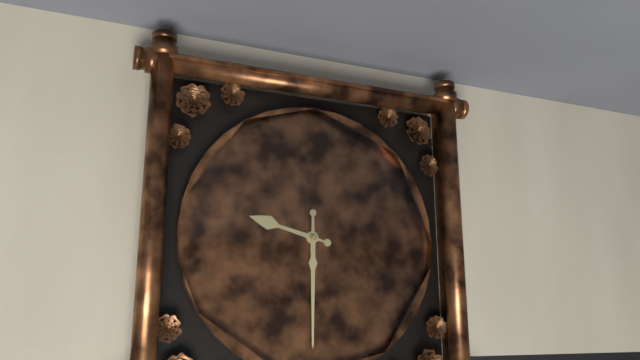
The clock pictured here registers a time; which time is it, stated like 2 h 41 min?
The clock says 9 h 30 min
